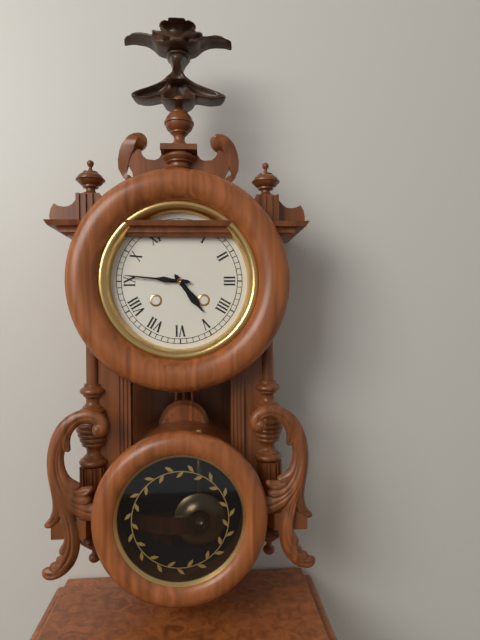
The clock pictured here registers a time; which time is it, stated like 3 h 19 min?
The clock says 4 h 46 min
